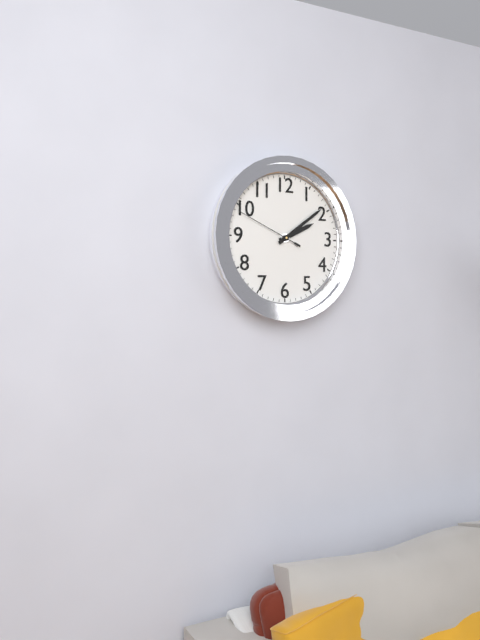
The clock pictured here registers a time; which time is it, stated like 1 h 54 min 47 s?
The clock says 2 h 09 min 49 s
